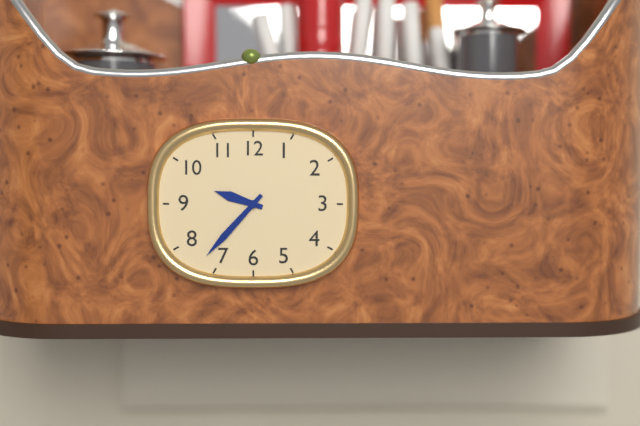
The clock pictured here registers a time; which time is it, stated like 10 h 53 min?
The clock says 9 h 37 min
